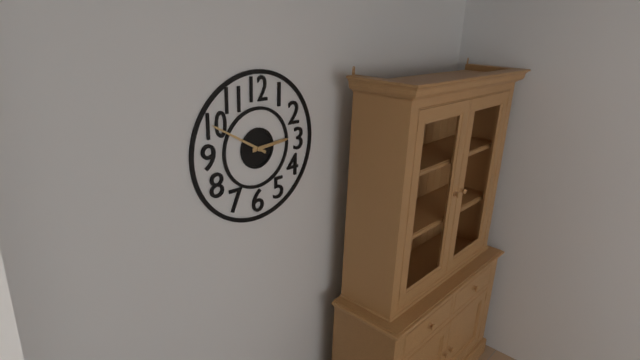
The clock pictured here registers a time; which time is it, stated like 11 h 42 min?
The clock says 2 h 50 min
